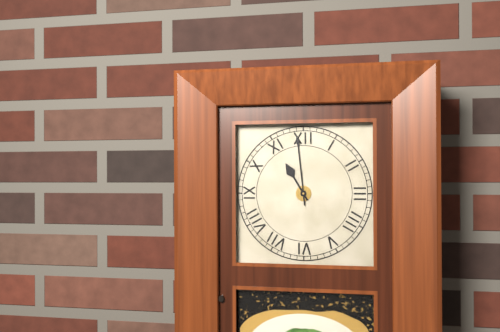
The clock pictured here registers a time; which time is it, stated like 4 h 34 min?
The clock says 10 h 59 min
